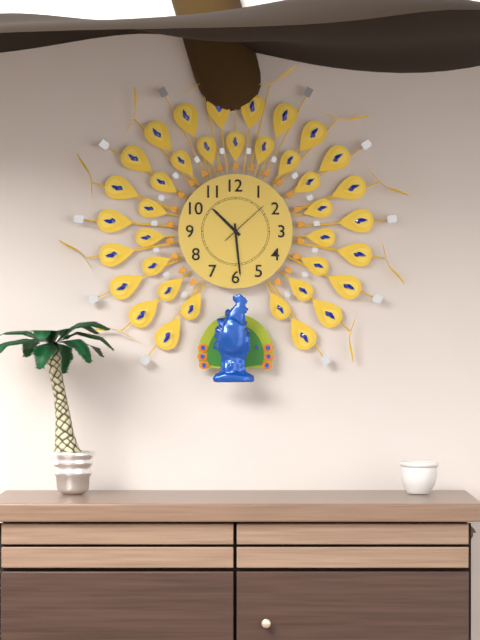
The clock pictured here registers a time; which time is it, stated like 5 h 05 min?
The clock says 10 h 29 min
